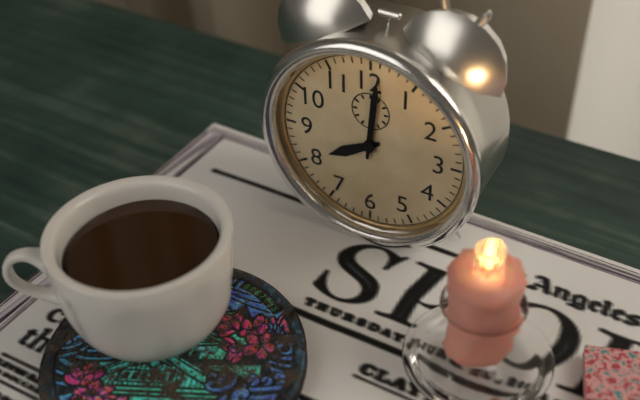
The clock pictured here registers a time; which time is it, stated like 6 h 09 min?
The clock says 8 h 01 min
